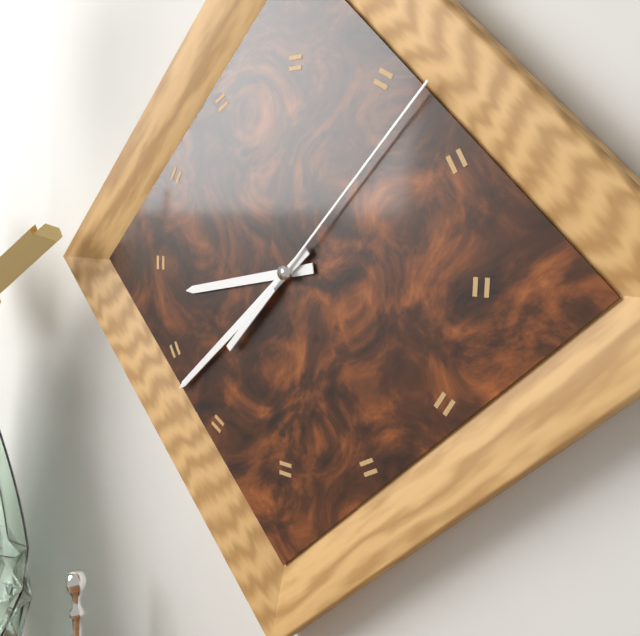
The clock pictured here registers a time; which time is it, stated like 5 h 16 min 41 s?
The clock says 8 h 38 min 07 s
